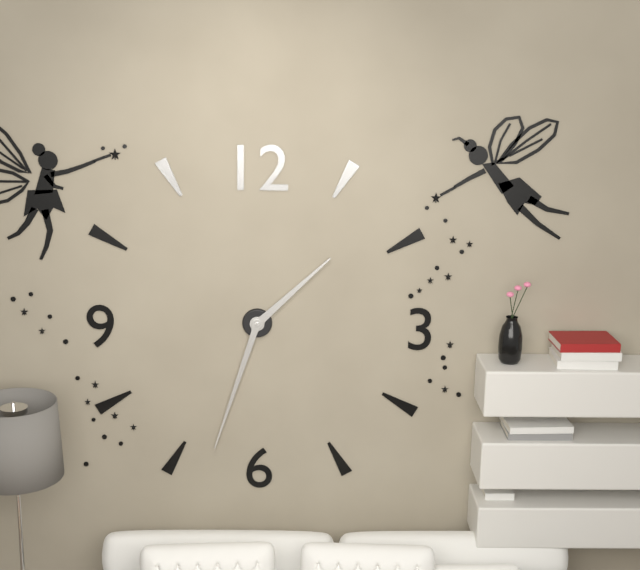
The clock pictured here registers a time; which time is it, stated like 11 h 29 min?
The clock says 1 h 33 min
